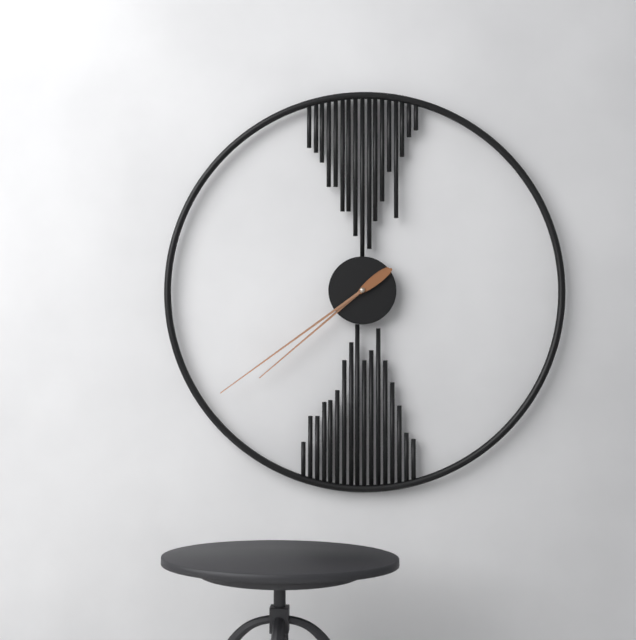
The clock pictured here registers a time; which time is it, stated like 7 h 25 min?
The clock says 7 h 39 min
